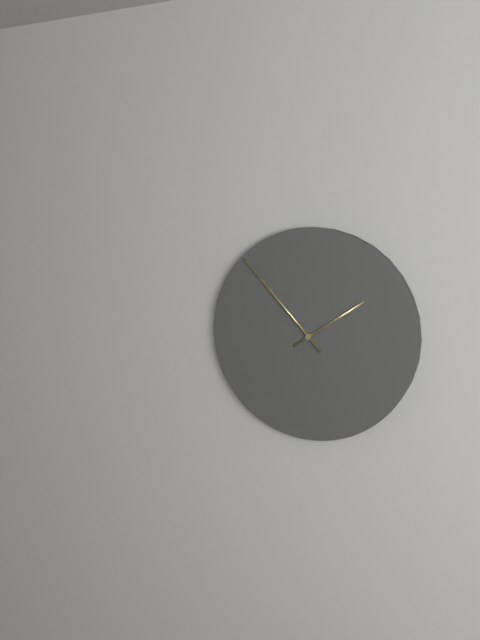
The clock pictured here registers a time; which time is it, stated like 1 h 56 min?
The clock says 1 h 53 min
